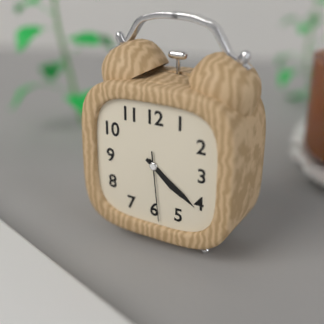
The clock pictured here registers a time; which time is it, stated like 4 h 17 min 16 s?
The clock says 4 h 21 min 29 s
